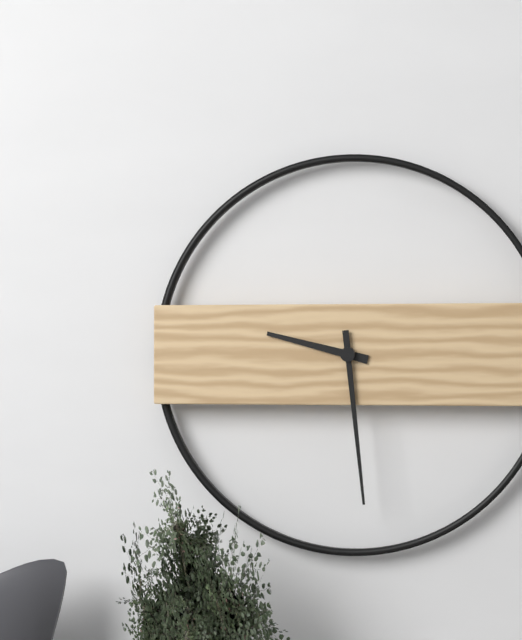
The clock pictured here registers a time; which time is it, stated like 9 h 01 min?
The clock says 9 h 29 min
